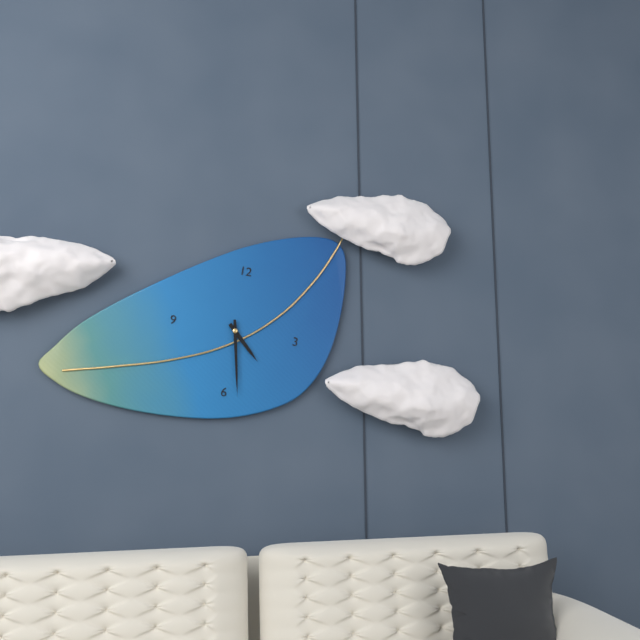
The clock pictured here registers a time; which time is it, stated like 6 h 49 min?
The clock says 4 h 28 min
